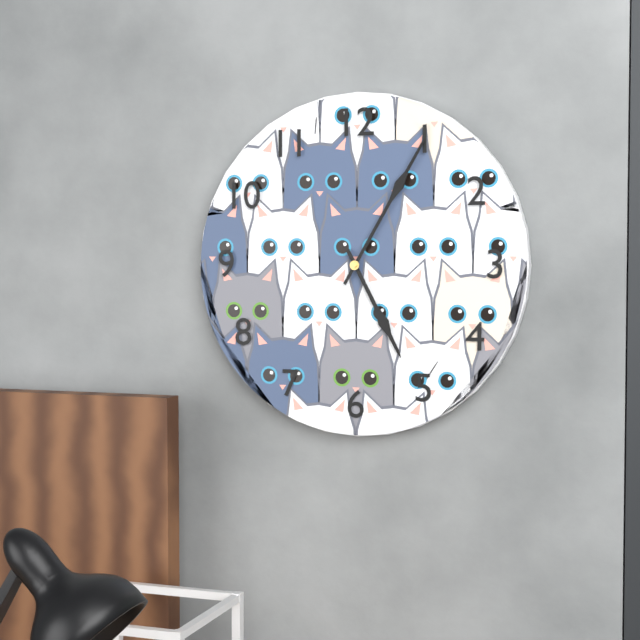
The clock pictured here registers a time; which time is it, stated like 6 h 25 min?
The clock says 5 h 05 min
